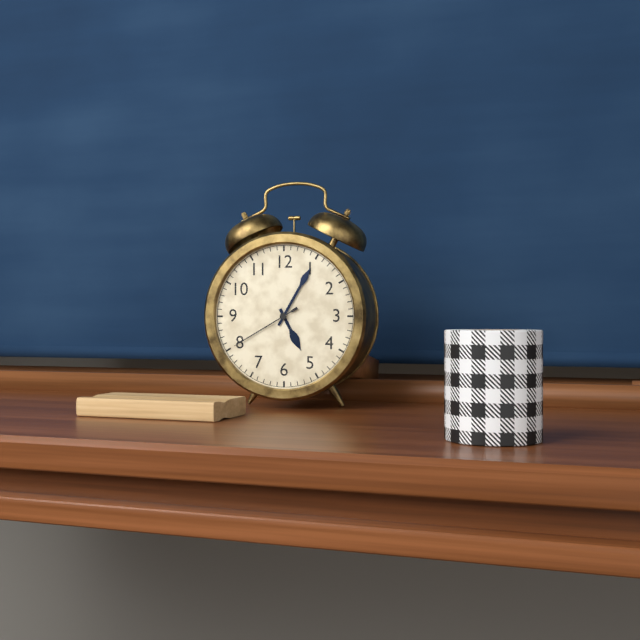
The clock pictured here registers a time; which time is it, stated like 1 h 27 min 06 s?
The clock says 5 h 05 min 40 s
